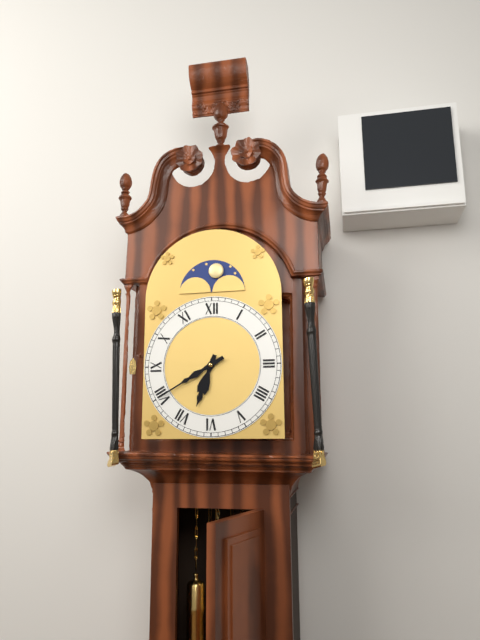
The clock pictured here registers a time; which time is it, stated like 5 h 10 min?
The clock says 6 h 40 min
